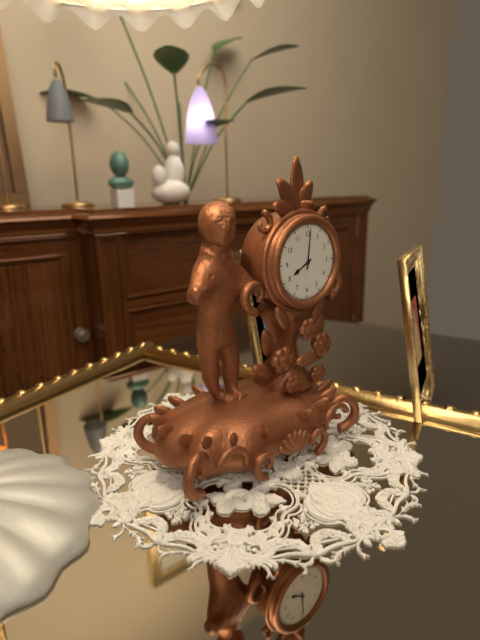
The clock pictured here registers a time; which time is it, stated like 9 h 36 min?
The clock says 8 h 01 min
